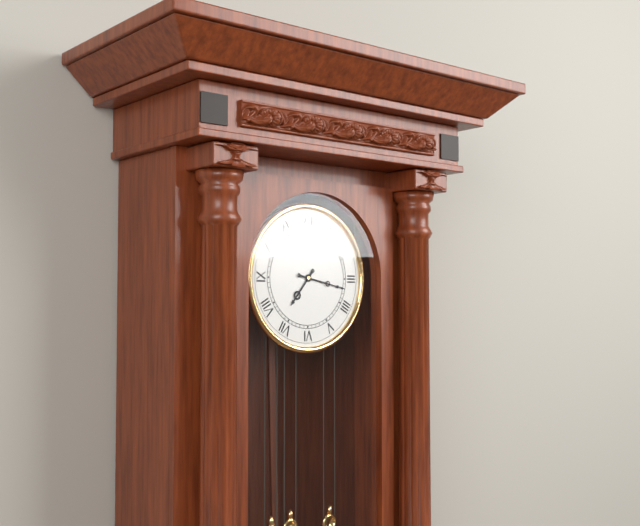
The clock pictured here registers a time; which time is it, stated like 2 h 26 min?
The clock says 7 h 17 min
